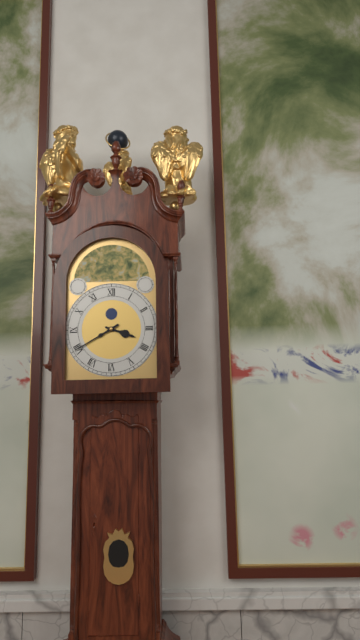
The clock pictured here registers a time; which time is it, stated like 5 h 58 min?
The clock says 3 h 40 min
